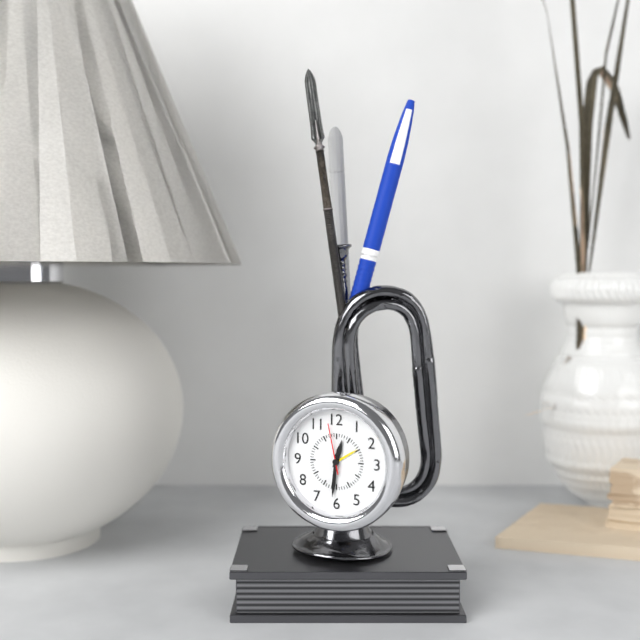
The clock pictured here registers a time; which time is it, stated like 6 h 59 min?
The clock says 12 h 31 min
